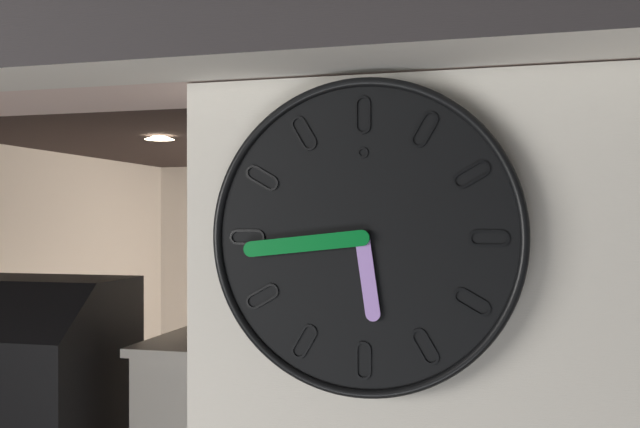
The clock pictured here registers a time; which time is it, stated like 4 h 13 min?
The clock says 5 h 44 min
